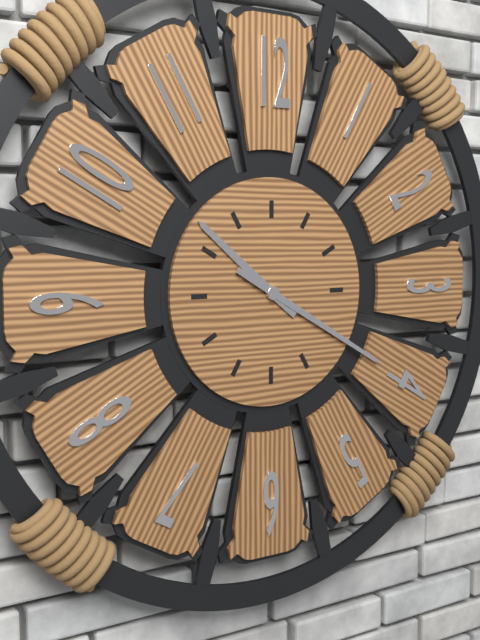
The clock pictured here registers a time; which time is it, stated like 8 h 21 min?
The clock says 10 h 20 min
